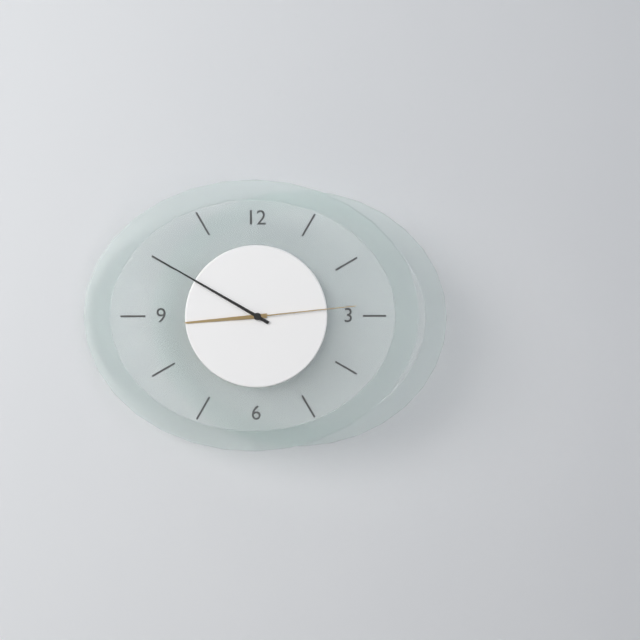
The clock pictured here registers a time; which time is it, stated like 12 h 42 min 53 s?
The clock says 8 h 50 min 14 s
